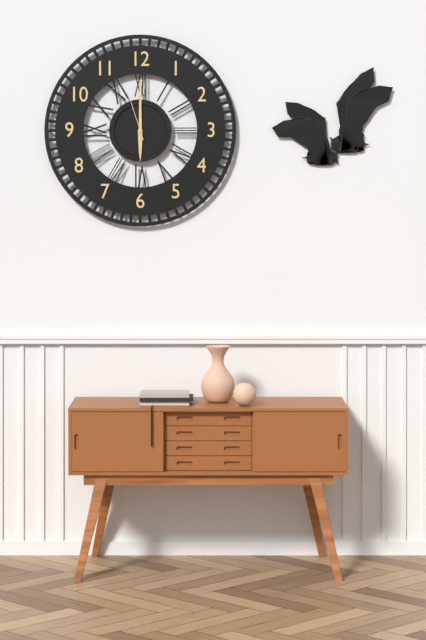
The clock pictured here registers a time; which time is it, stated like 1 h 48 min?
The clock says 6 h 00 min
